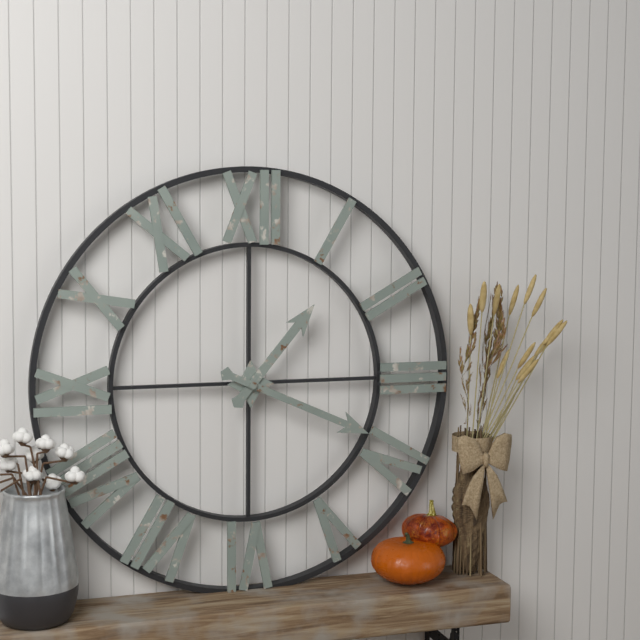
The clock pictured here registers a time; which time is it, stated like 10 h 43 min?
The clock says 1 h 19 min
